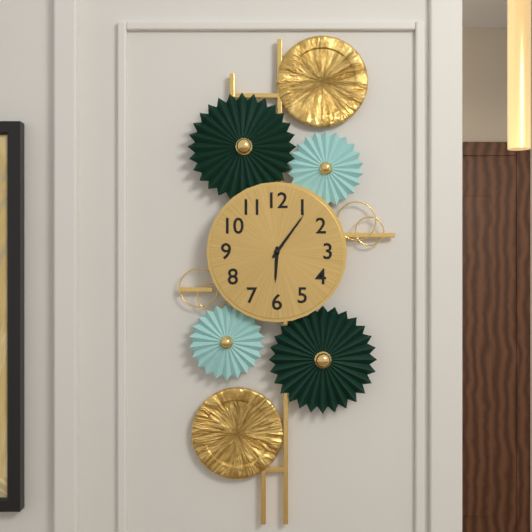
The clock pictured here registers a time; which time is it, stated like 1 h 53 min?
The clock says 6 h 06 min
